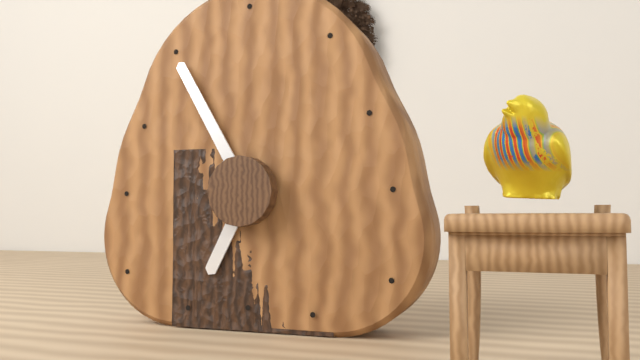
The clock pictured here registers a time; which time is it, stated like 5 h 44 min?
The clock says 6 h 55 min
